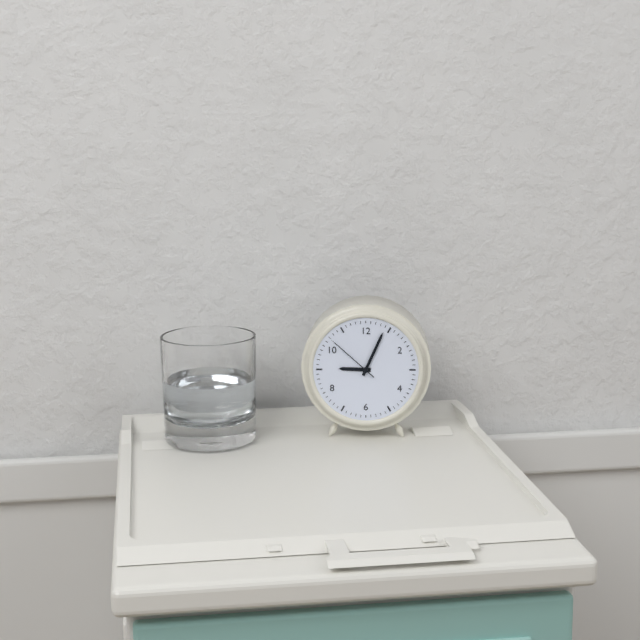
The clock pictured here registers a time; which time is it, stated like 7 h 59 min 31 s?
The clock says 9 h 04 min 52 s
